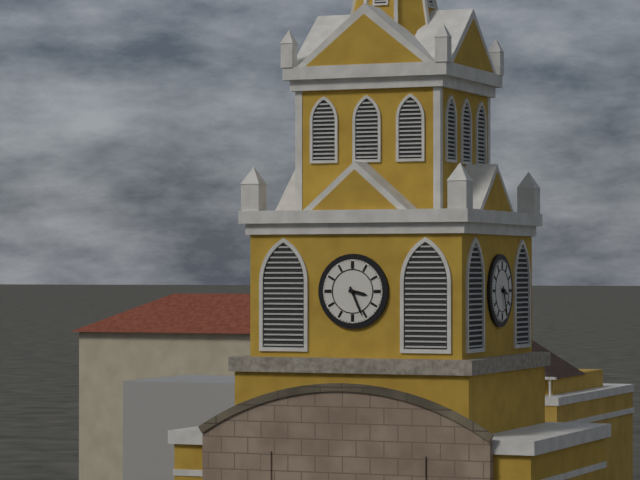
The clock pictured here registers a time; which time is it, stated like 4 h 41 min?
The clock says 3 h 26 min
